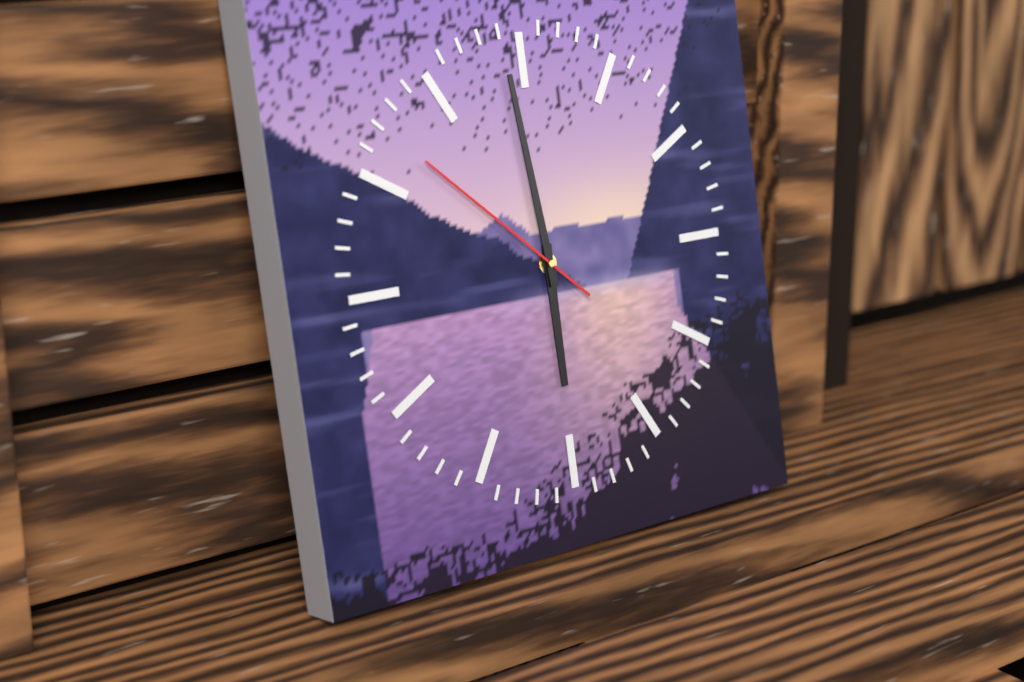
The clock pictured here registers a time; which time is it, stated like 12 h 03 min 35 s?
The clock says 5 h 59 min 52 s
